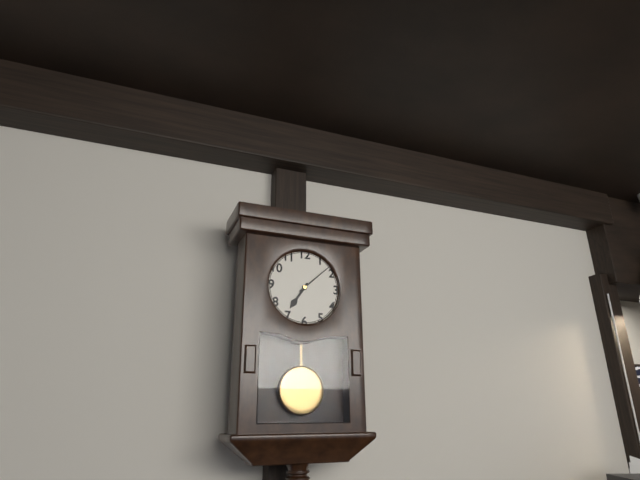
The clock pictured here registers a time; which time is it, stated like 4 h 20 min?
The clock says 7 h 08 min
